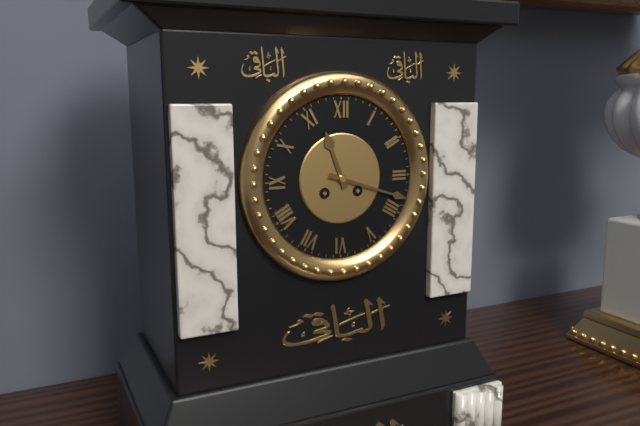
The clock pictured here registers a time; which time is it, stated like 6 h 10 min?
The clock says 11 h 18 min
